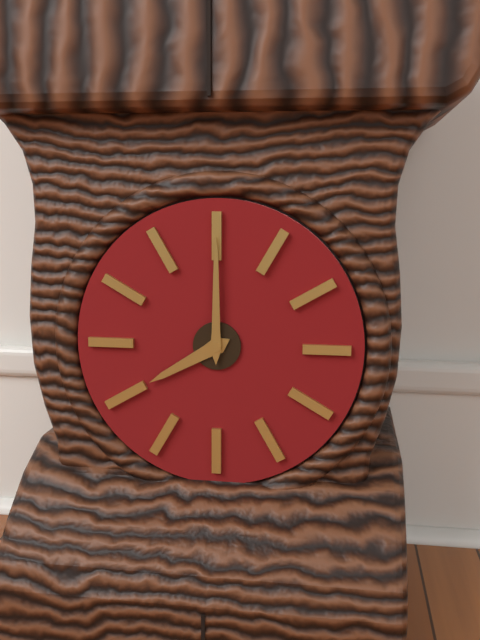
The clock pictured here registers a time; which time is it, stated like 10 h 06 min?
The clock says 8 h 00 min
